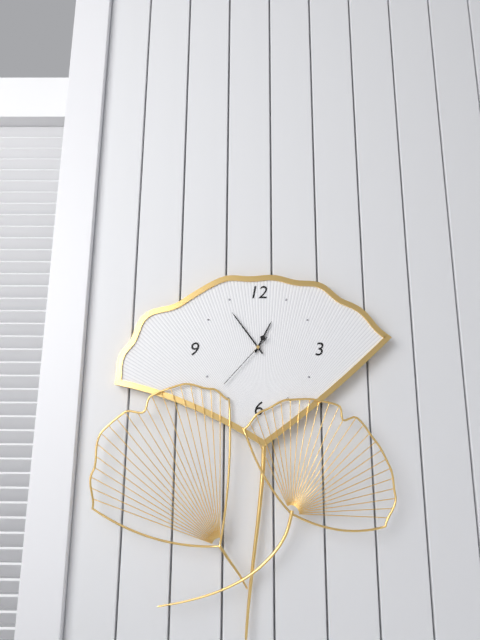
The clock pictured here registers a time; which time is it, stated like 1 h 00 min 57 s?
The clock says 12 h 54 min 37 s
